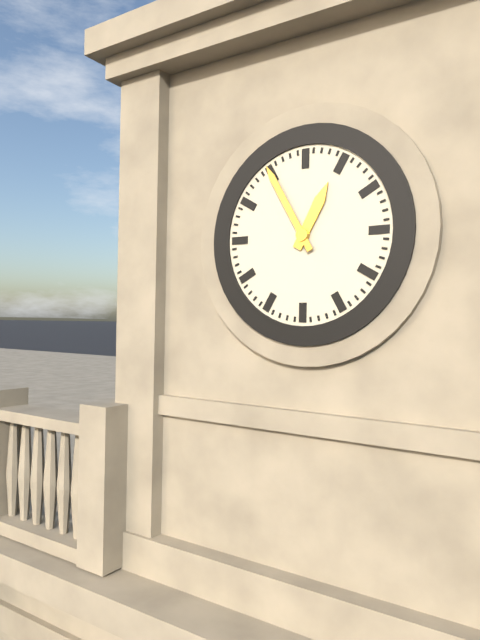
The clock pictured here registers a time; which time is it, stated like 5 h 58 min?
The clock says 12 h 55 min
